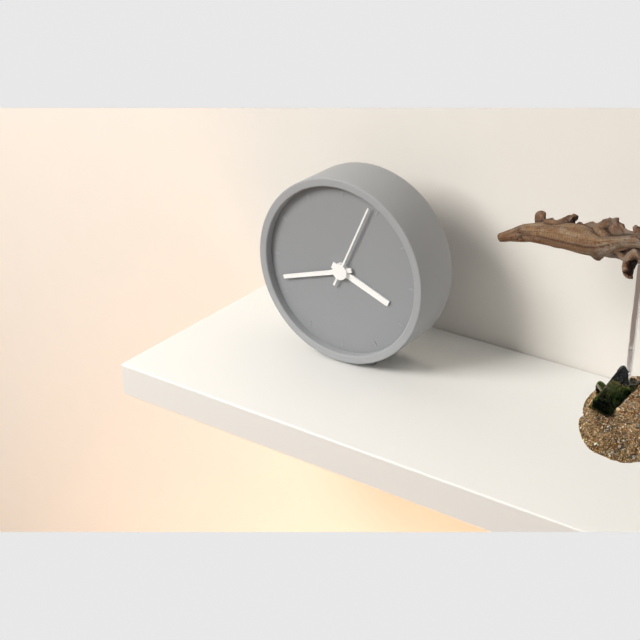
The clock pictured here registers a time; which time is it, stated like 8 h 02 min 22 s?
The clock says 3 h 42 min 04 s
